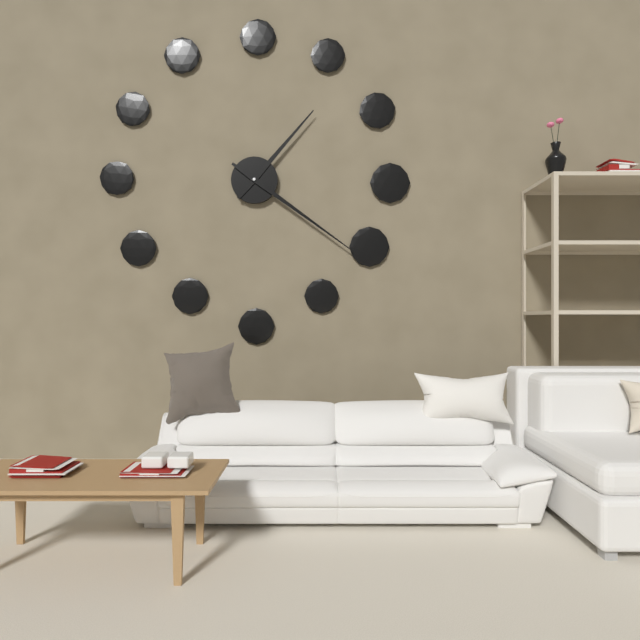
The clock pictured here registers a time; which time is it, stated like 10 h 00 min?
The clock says 1 h 21 min
